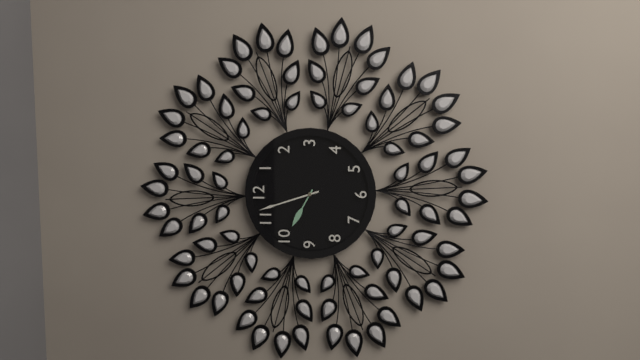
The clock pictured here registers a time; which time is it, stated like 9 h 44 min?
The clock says 9 h 57 min
